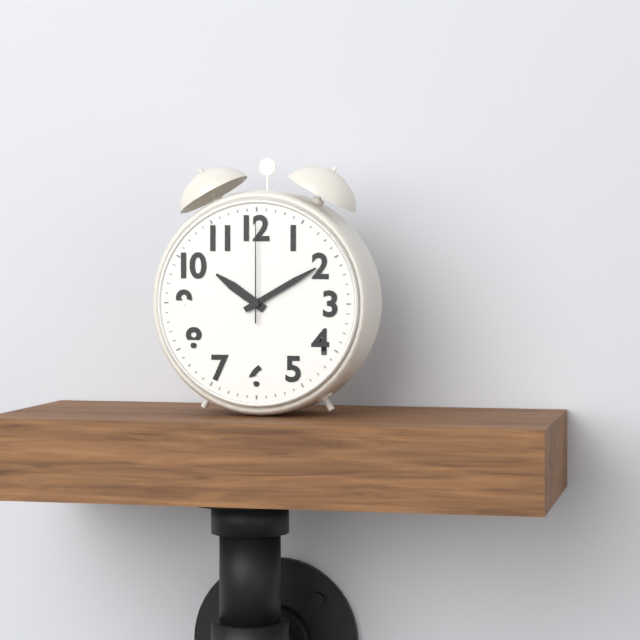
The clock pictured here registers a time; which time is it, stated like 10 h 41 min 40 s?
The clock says 10 h 10 min 00 s
